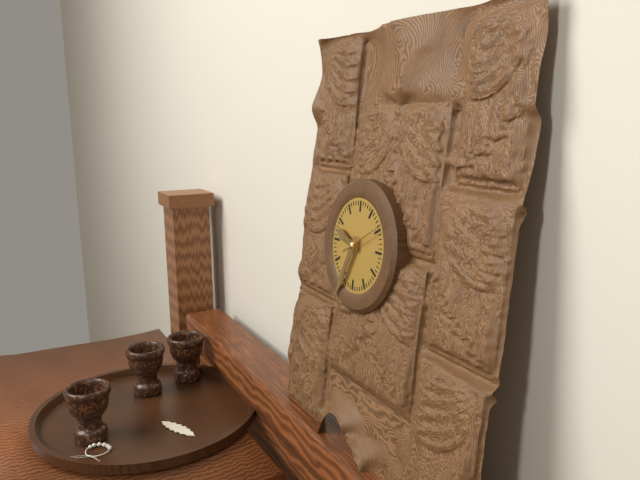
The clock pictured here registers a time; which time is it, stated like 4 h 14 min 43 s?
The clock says 9 h 34 min 10 s
